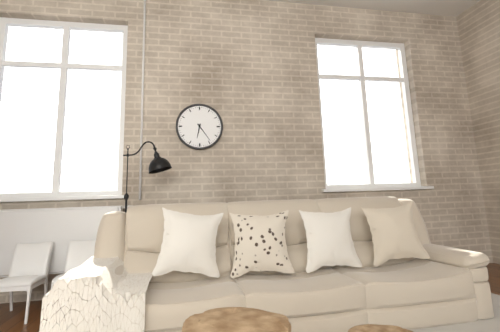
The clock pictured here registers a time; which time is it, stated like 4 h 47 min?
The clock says 6 h 24 min
